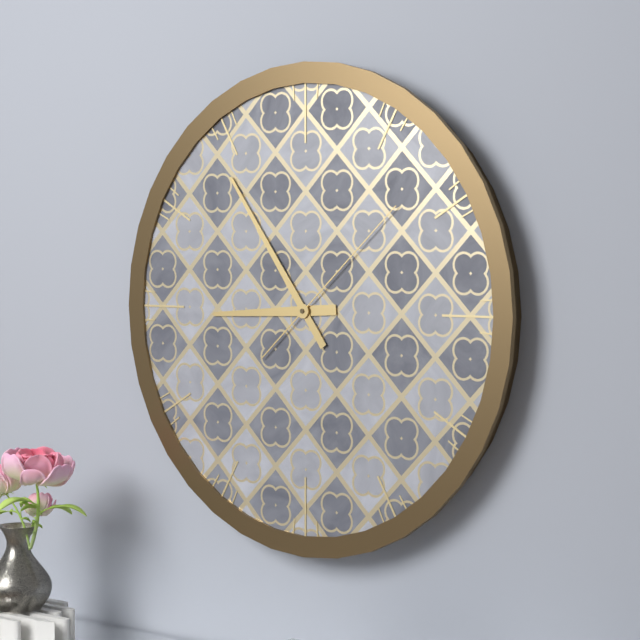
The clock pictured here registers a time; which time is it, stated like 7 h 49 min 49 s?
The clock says 8 h 54 min 08 s
